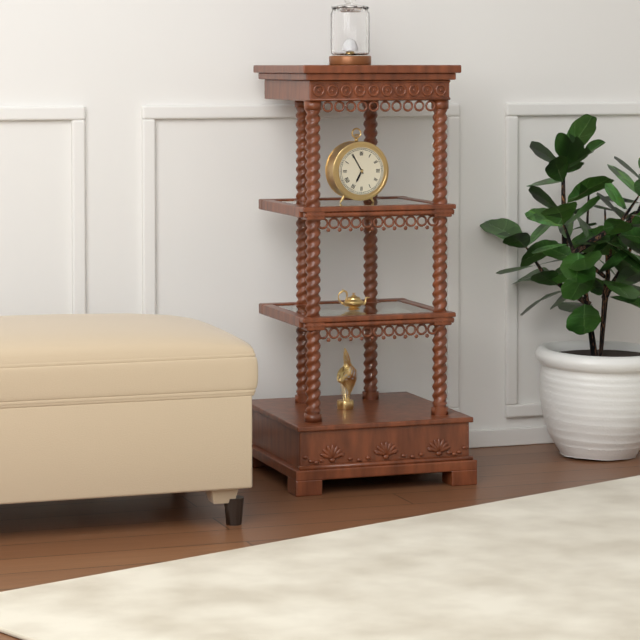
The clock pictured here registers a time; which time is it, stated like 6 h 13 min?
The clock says 6 h 55 min
